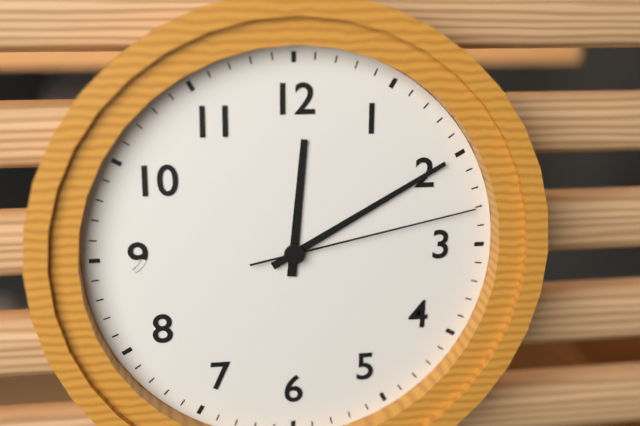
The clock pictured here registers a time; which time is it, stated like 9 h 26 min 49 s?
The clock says 12 h 10 min 13 s
